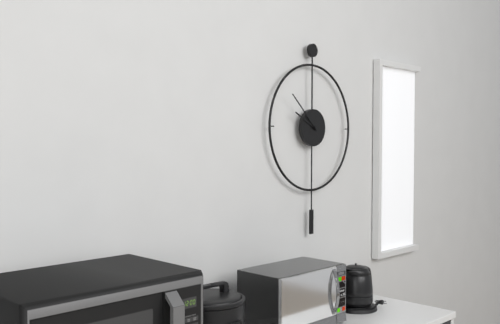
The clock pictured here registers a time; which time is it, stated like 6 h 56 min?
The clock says 9 h 52 min
